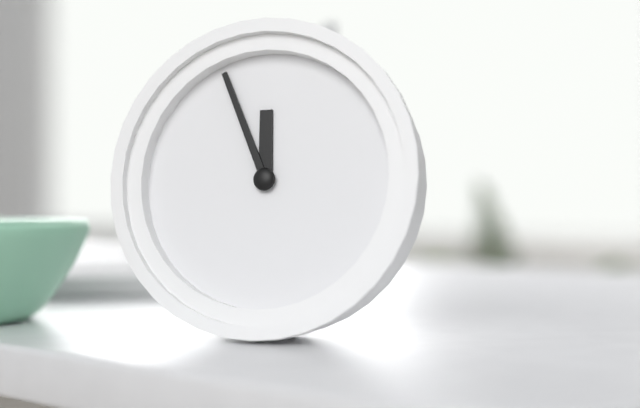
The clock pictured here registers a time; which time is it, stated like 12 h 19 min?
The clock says 11 h 56 min
